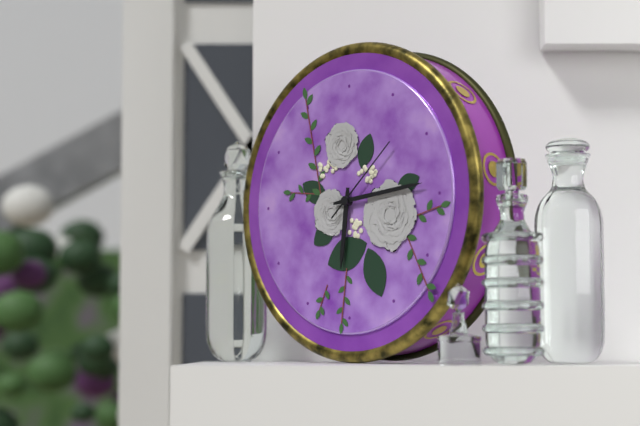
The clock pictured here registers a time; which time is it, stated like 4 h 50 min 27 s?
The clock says 6 h 14 min 08 s
